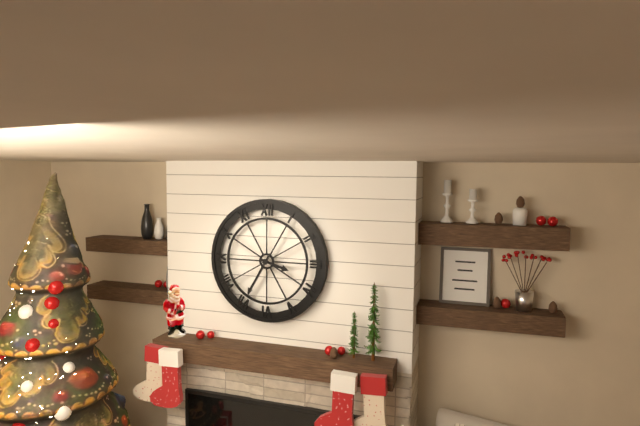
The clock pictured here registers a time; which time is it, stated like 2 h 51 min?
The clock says 3 h 35 min
